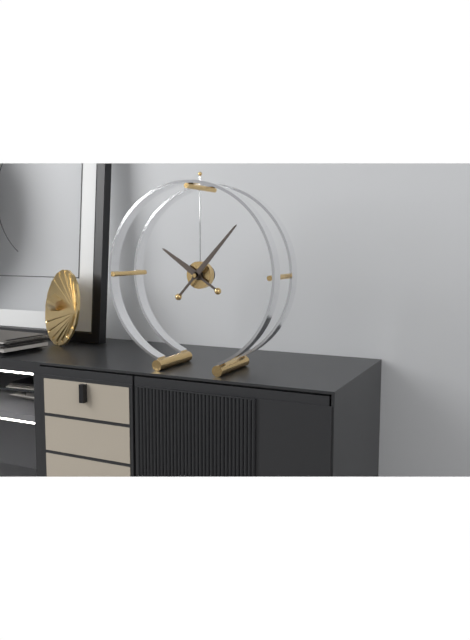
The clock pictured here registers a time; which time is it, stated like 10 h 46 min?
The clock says 10 h 07 min
